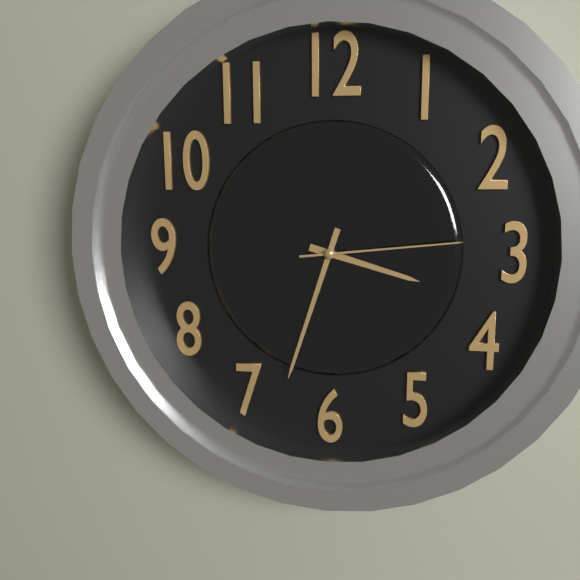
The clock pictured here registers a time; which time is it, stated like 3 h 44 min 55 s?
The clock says 3 h 33 min 14 s
